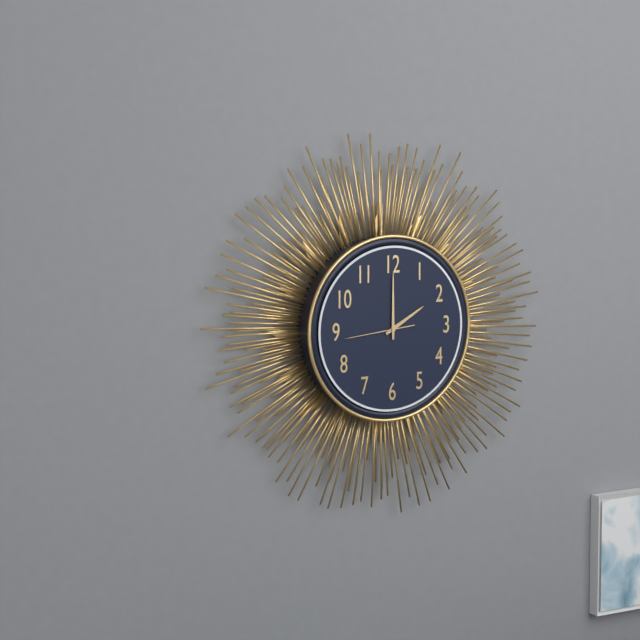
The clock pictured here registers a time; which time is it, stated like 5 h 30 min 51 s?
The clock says 2 h 00 min 44 s
